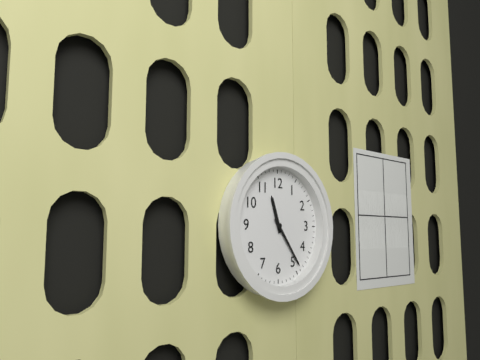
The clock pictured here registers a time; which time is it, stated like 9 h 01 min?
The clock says 11 h 24 min
